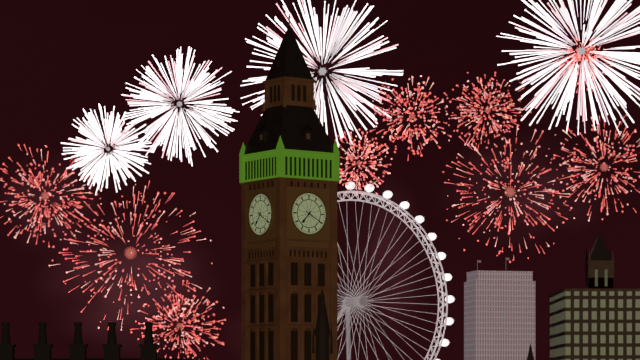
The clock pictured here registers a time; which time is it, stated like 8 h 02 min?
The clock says 7 h 20 min
